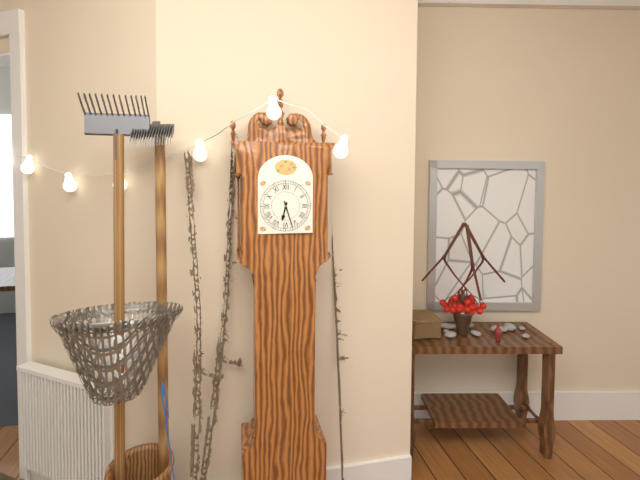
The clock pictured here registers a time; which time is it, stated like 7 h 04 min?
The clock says 6 h 27 min
